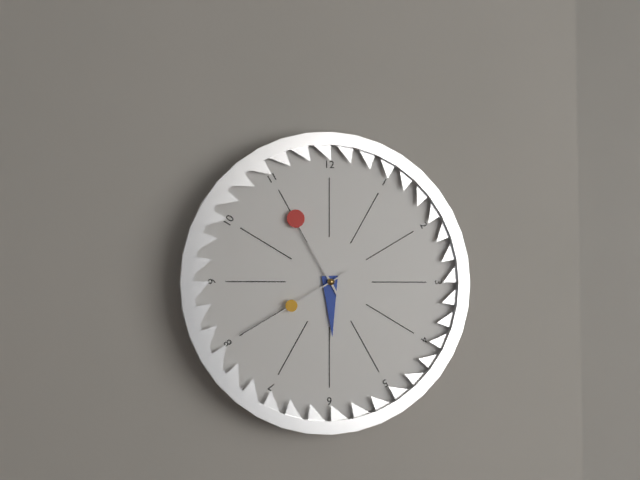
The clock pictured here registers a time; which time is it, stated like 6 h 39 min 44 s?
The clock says 5 h 55 min 40 s
